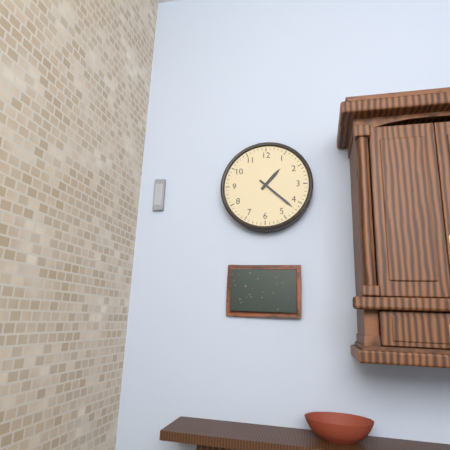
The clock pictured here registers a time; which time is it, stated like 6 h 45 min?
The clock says 1 h 22 min
